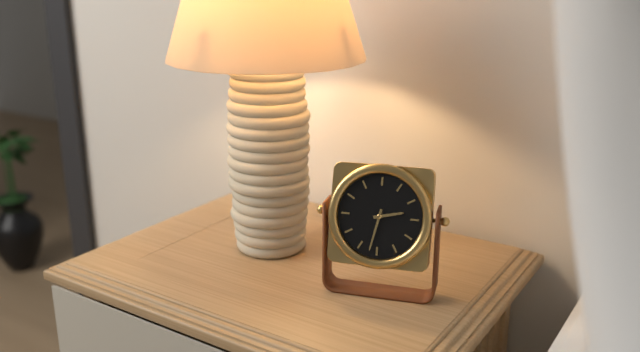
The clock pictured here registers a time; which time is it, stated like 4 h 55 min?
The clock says 2 h 32 min
